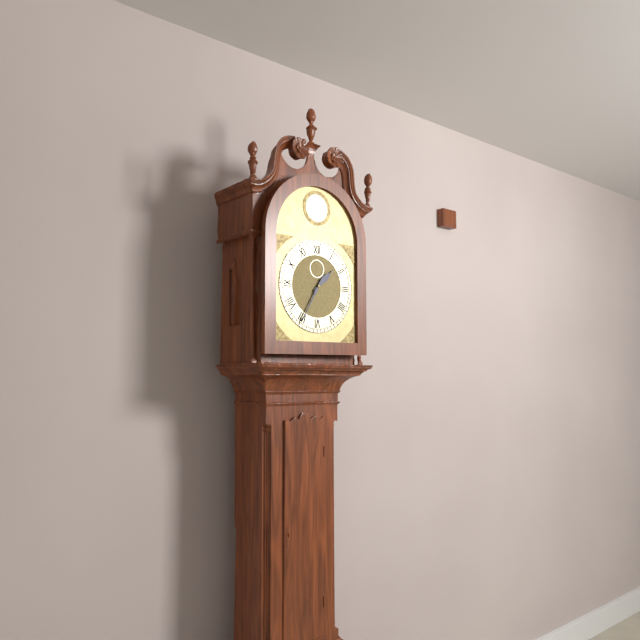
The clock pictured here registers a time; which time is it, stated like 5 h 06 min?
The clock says 1 h 35 min
